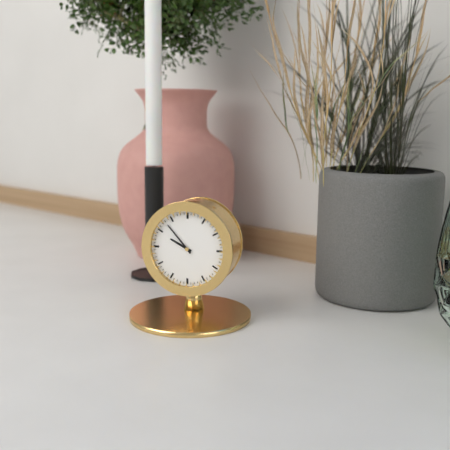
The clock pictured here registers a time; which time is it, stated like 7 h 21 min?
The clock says 9 h 53 min
